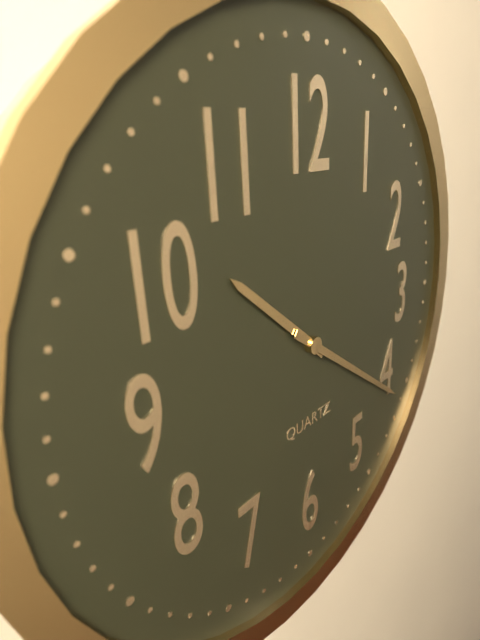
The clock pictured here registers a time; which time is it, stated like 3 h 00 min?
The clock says 10 h 21 min
